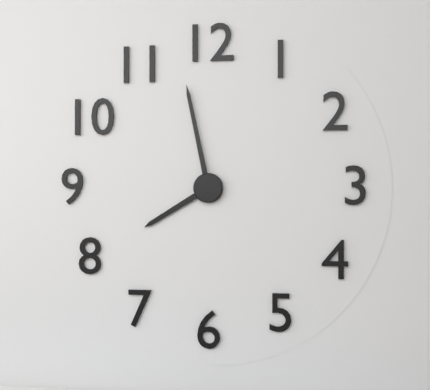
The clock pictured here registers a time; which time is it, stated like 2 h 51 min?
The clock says 7 h 58 min
